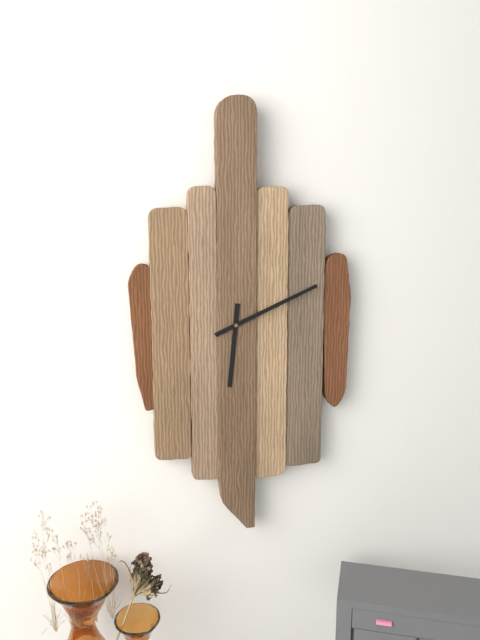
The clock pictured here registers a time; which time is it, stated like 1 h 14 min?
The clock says 6 h 11 min
